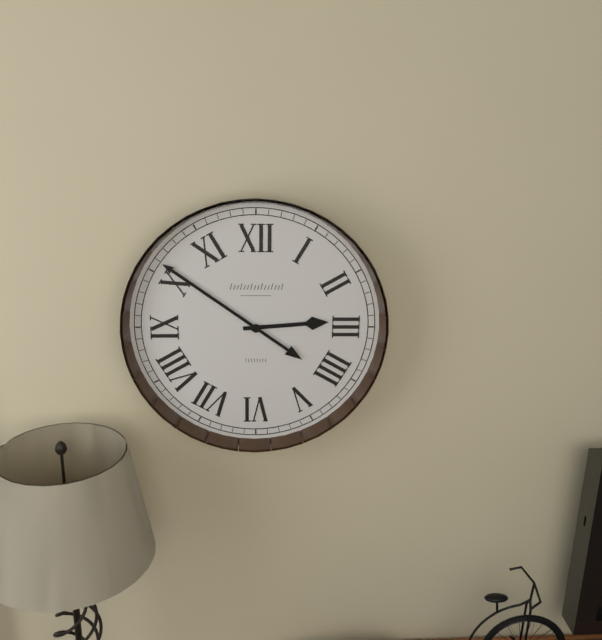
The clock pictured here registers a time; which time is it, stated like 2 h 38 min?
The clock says 2 h 51 min
